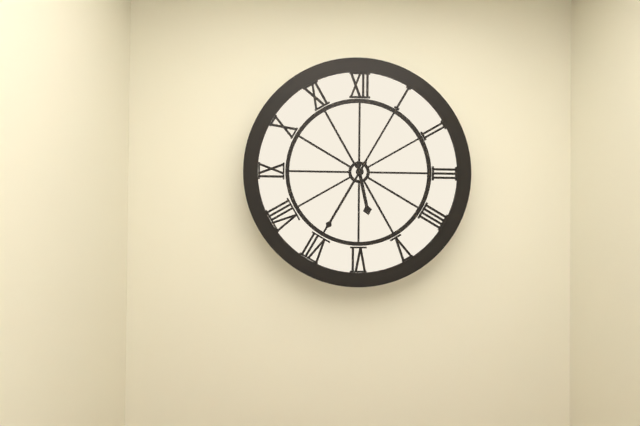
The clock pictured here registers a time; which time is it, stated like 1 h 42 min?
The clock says 5 h 35 min
